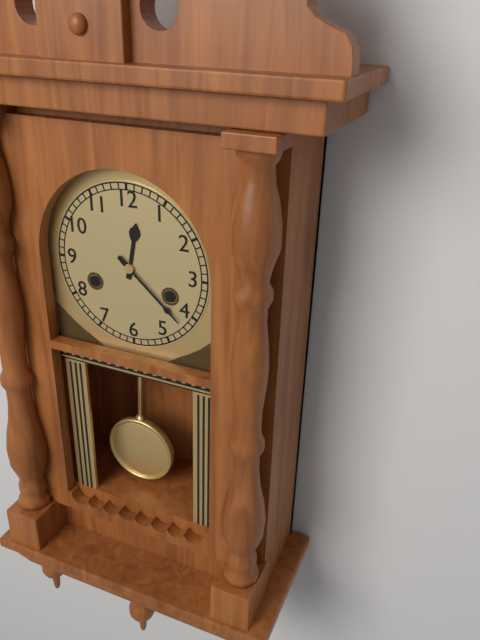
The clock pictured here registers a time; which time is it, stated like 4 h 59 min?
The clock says 12 h 22 min
